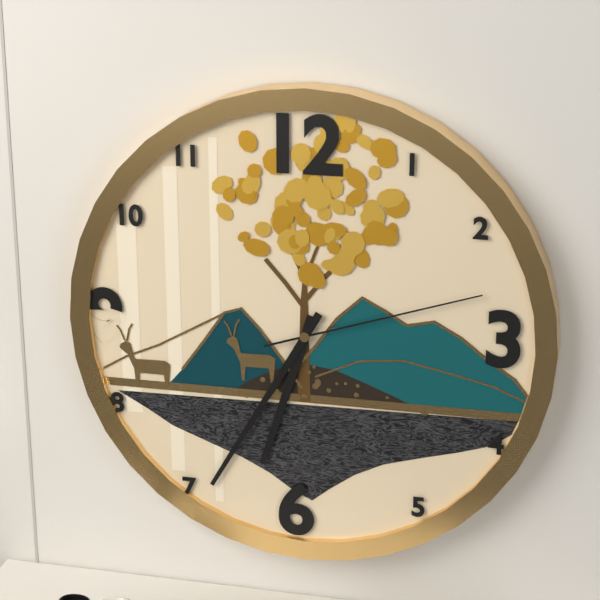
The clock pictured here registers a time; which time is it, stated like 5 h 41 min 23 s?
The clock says 6 h 35 min 12 s
